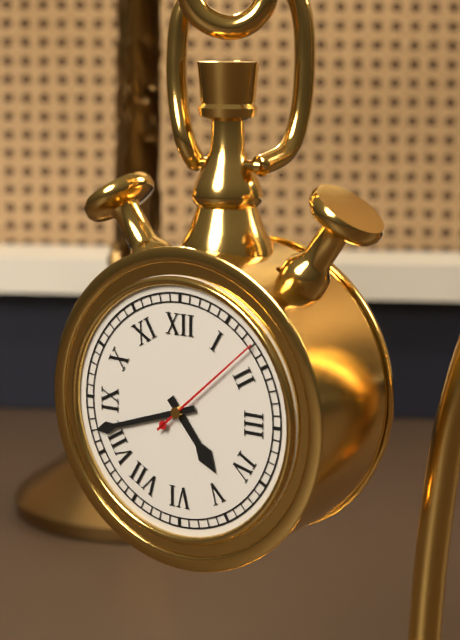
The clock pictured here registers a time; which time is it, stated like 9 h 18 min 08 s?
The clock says 4 h 42 min 08 s
